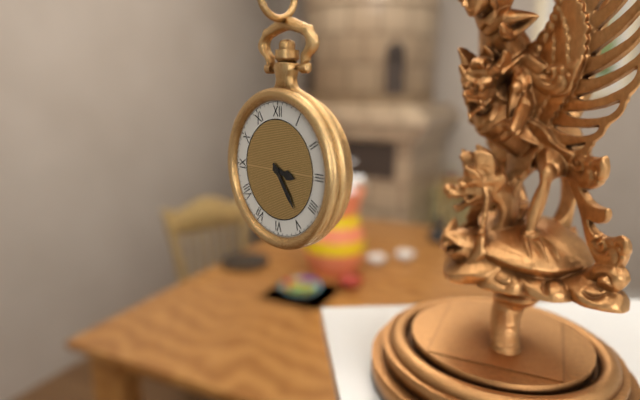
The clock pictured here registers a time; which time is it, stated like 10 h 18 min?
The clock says 3 h 24 min
